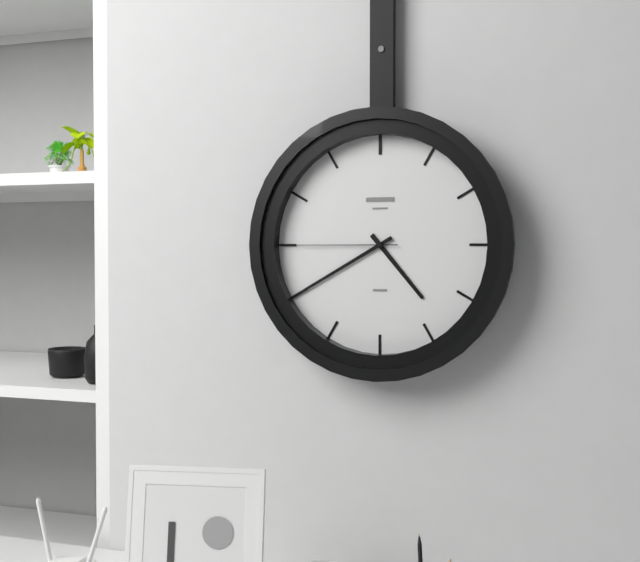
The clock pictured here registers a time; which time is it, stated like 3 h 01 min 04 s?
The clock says 4 h 40 min 45 s
